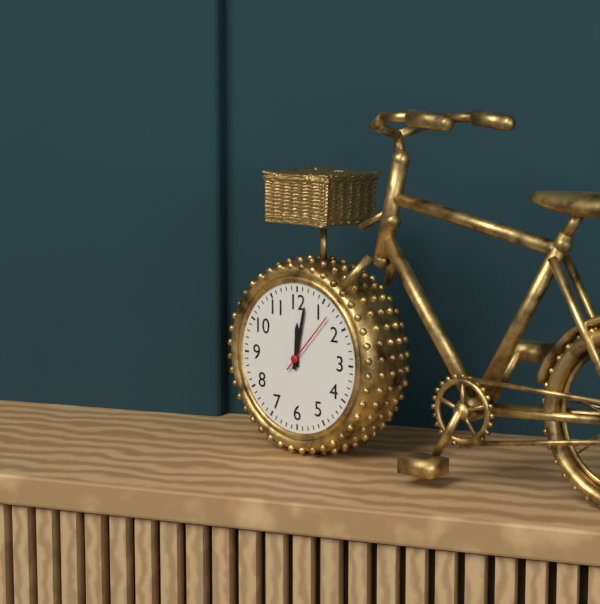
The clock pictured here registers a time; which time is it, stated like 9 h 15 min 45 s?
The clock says 12 h 02 min 07 s
